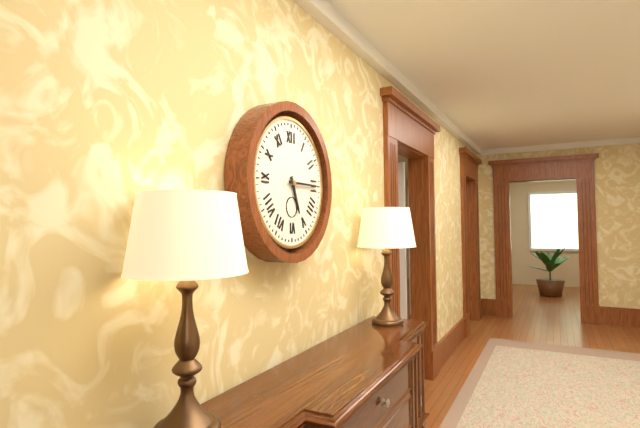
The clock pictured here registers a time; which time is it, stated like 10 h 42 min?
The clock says 5 h 15 min
